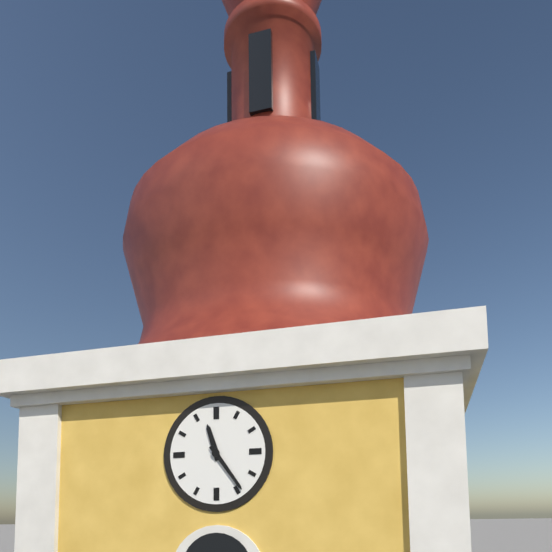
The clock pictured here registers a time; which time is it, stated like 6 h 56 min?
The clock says 11 h 24 min
